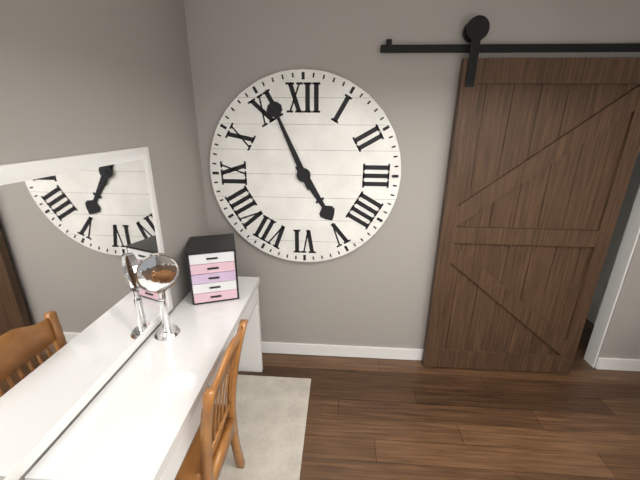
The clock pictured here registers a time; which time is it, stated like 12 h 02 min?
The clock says 4 h 56 min
